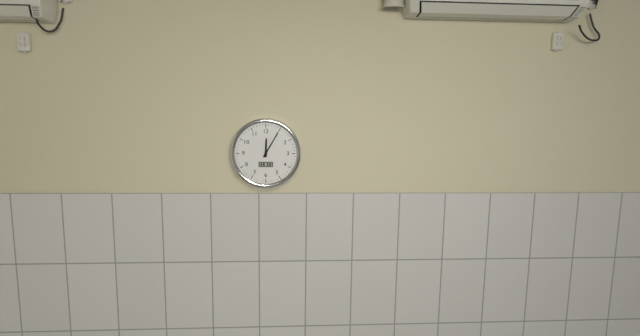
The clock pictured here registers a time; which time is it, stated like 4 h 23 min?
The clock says 12 h 05 min
